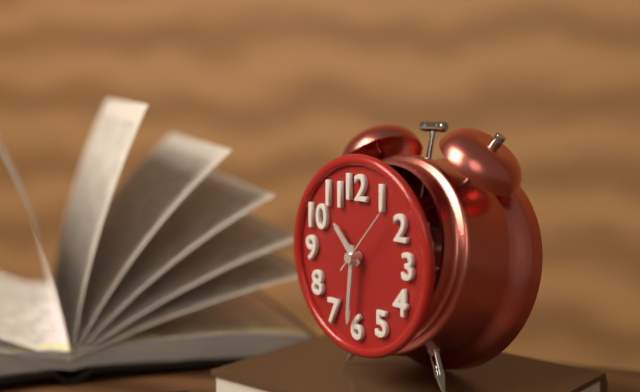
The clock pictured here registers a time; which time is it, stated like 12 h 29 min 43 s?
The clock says 10 h 31 min 07 s
